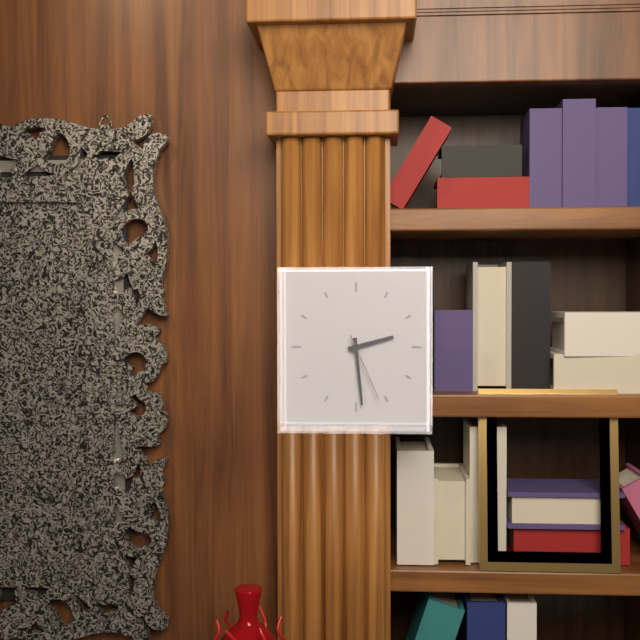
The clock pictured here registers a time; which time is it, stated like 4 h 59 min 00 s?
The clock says 2 h 29 min 26 s
